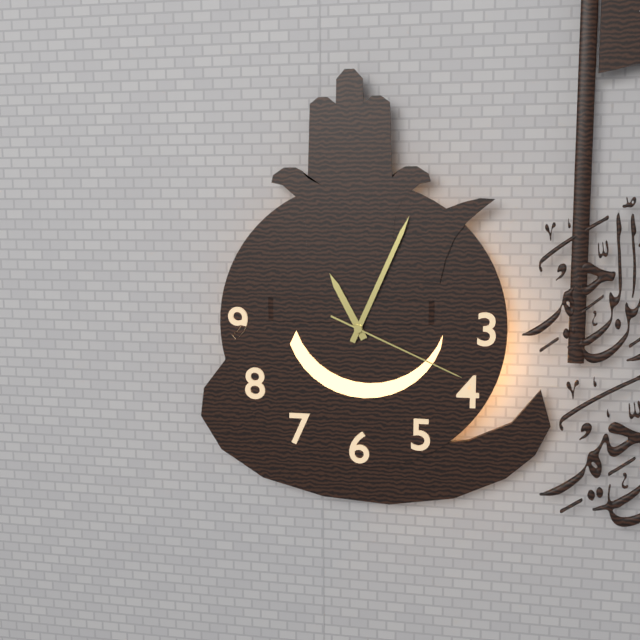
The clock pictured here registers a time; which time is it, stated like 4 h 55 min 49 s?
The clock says 11 h 04 min 19 s
